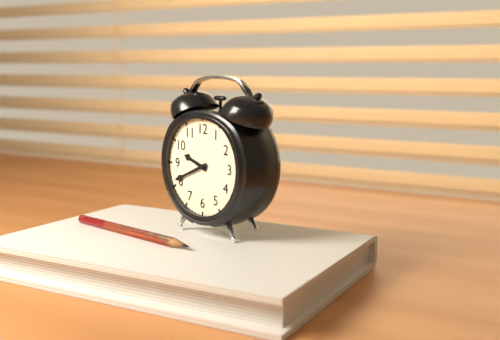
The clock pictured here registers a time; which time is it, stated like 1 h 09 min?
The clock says 9 h 41 min
